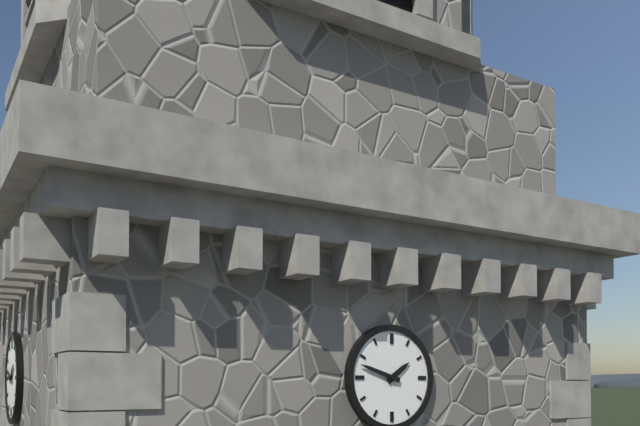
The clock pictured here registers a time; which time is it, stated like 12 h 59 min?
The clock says 1 h 48 min
